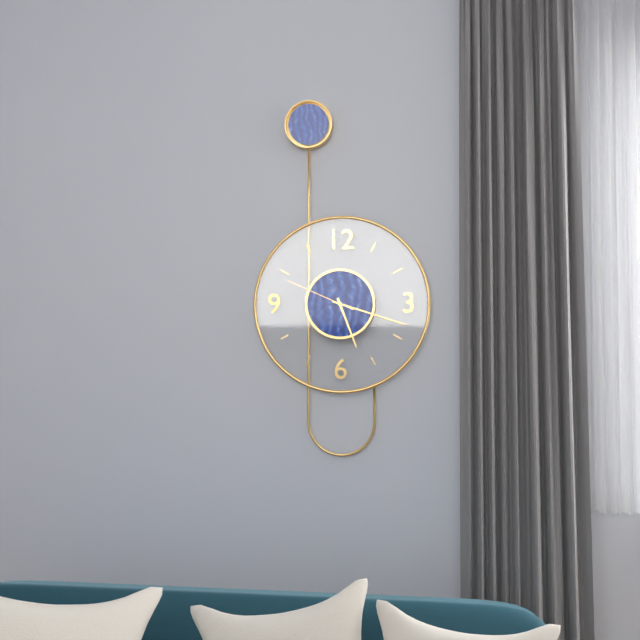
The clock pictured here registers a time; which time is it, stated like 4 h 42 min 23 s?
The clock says 5 h 18 min 49 s
